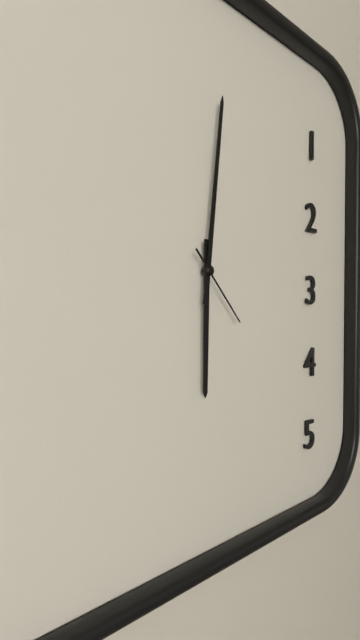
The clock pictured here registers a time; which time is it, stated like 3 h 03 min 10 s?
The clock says 6 h 01 min 23 s
